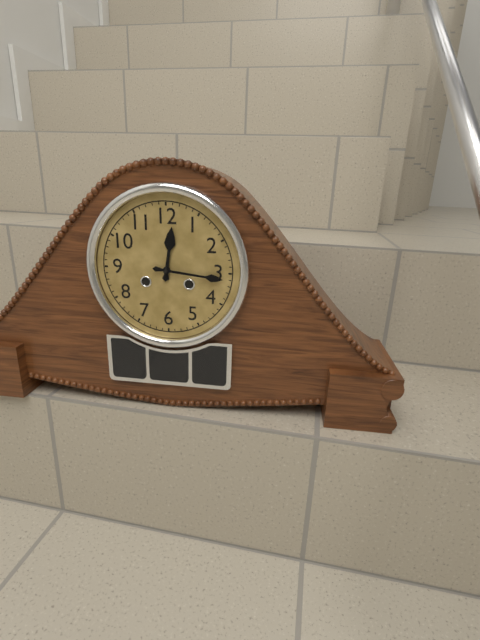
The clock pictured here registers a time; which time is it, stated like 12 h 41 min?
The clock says 12 h 16 min
